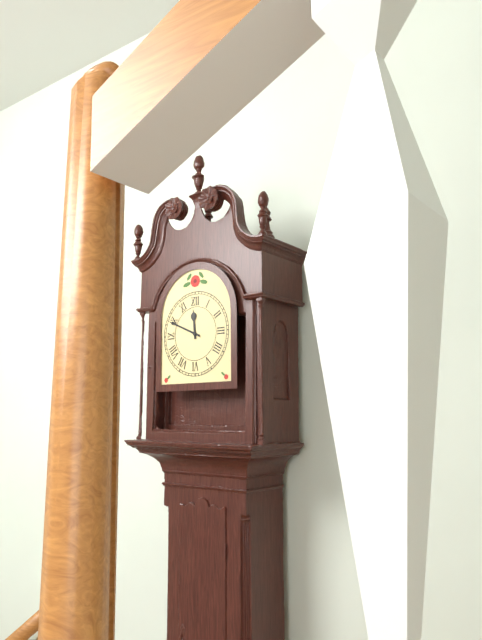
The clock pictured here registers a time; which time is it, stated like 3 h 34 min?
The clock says 11 h 49 min
